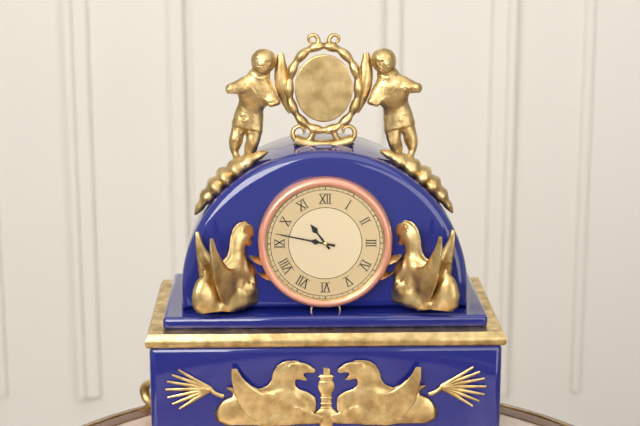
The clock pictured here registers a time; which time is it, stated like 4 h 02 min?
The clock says 10 h 47 min
